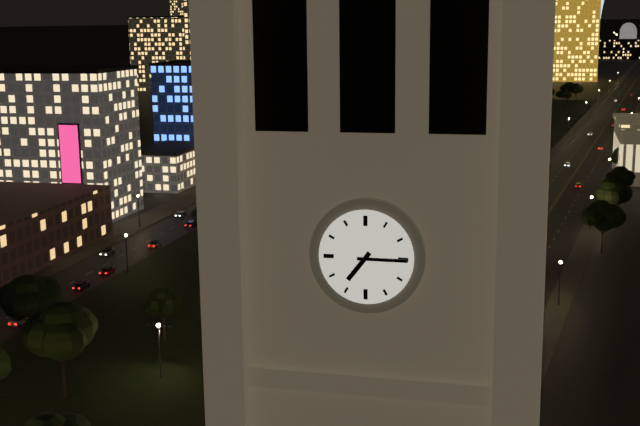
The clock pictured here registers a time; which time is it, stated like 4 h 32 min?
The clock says 7 h 15 min
